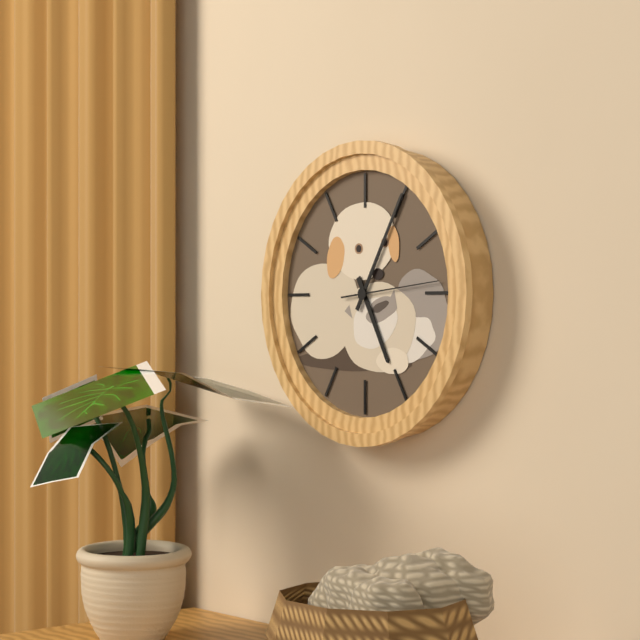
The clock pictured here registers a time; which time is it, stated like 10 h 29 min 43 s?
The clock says 5 h 05 min 14 s
